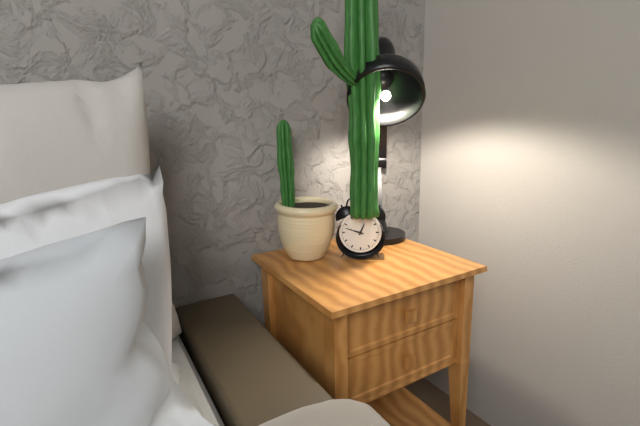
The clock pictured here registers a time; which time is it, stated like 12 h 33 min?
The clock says 12 h 48 min
